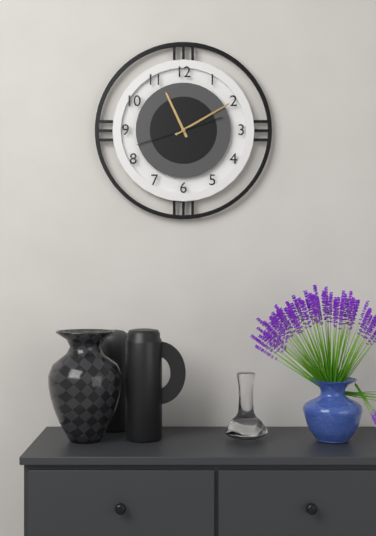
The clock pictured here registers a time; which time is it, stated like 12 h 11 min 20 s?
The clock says 11 h 10 min 42 s
